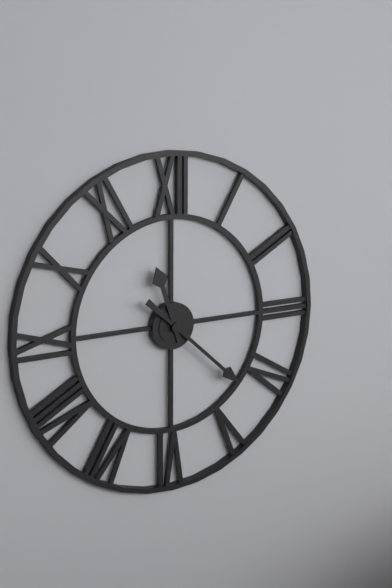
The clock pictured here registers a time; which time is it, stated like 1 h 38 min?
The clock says 11 h 22 min
